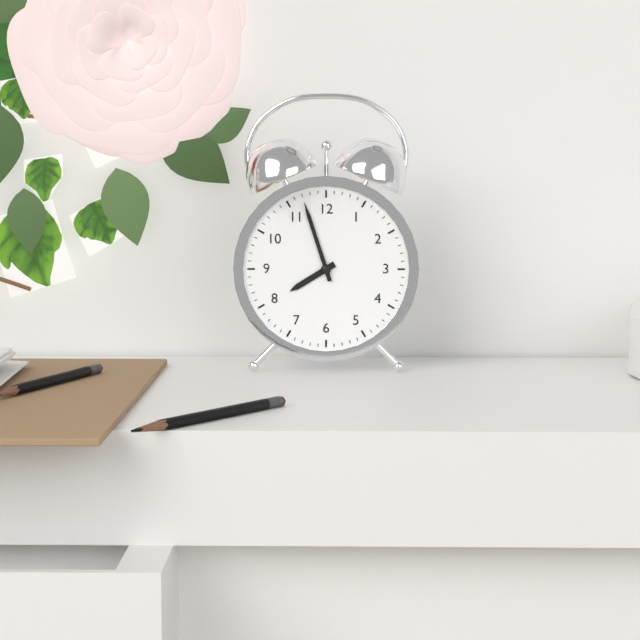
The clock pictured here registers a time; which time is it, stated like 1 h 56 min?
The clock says 7 h 57 min
